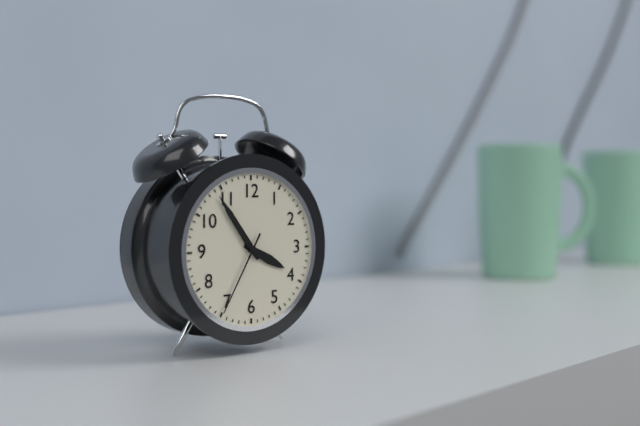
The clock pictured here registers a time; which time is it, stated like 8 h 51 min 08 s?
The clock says 3 h 54 min 35 s
